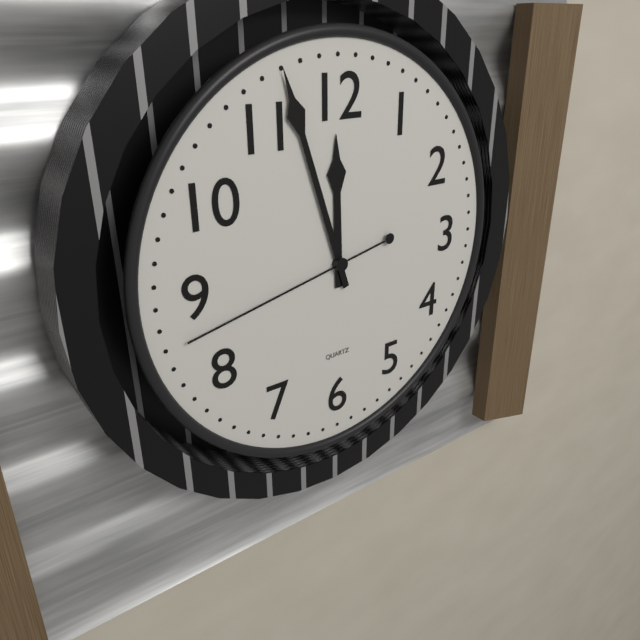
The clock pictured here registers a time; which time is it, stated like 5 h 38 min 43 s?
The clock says 11 h 57 min 43 s
